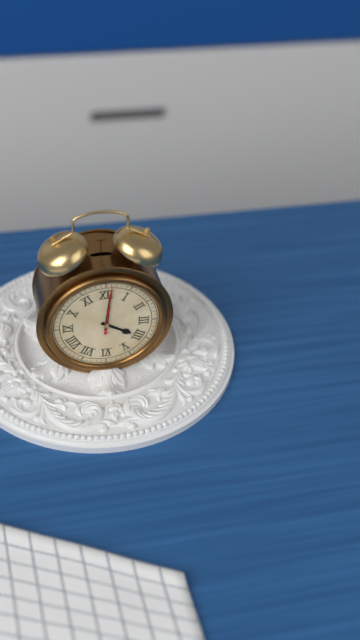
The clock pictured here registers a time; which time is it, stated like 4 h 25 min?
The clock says 4 h 01 min
